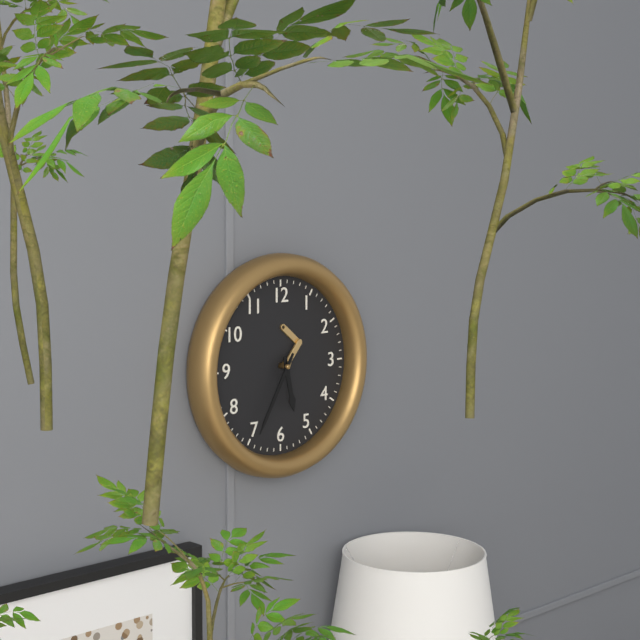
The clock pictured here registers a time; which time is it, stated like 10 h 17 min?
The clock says 5 h 35 min
